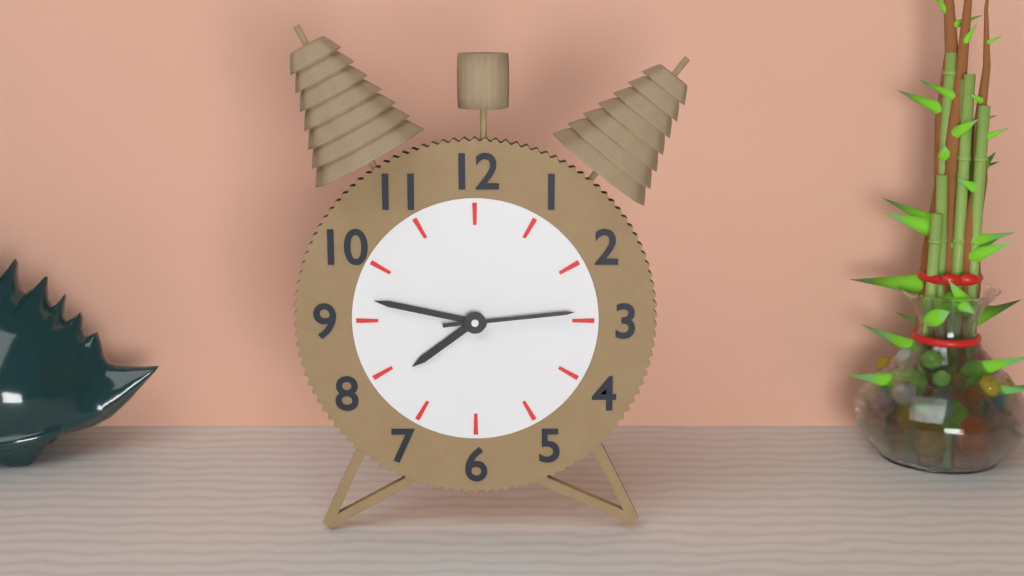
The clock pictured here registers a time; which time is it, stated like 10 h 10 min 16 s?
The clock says 7 h 47 min 14 s
